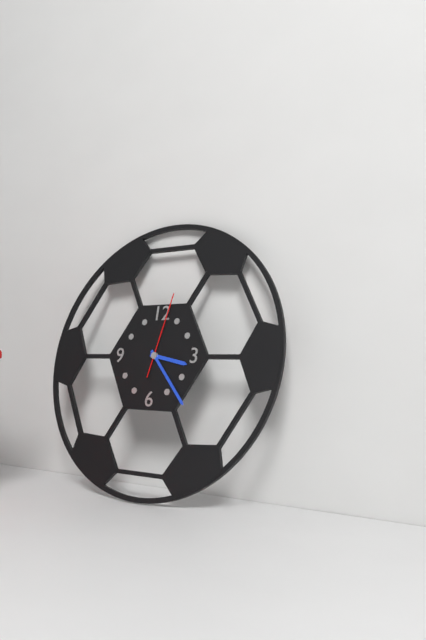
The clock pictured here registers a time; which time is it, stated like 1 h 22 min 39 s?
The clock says 3 h 23 min 02 s
